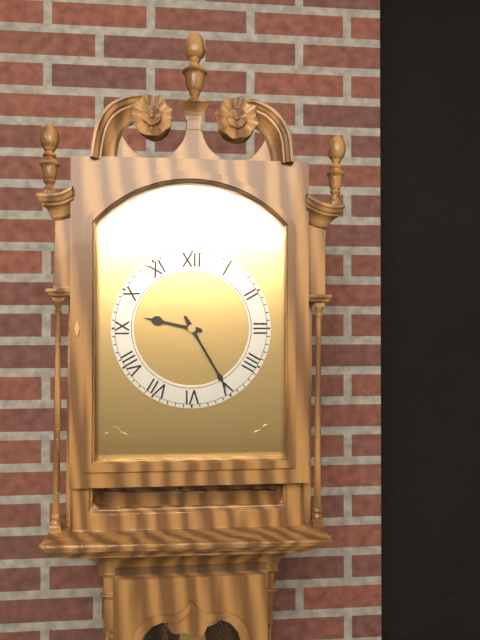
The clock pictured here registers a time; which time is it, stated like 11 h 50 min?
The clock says 9 h 25 min
